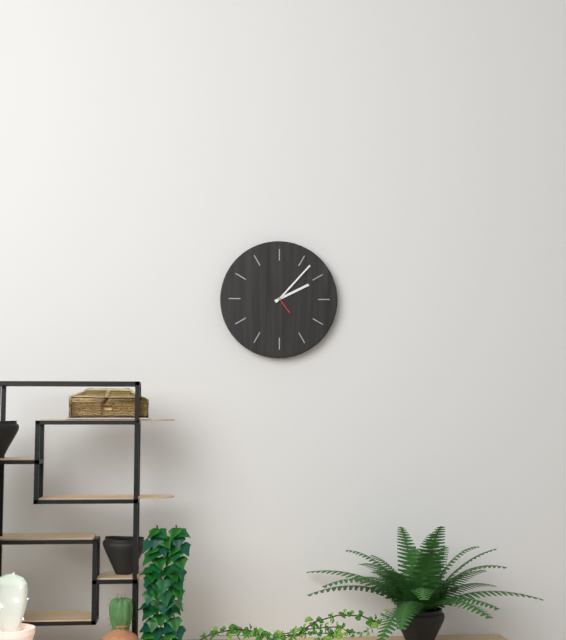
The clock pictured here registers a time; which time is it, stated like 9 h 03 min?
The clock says 2 h 07 min
